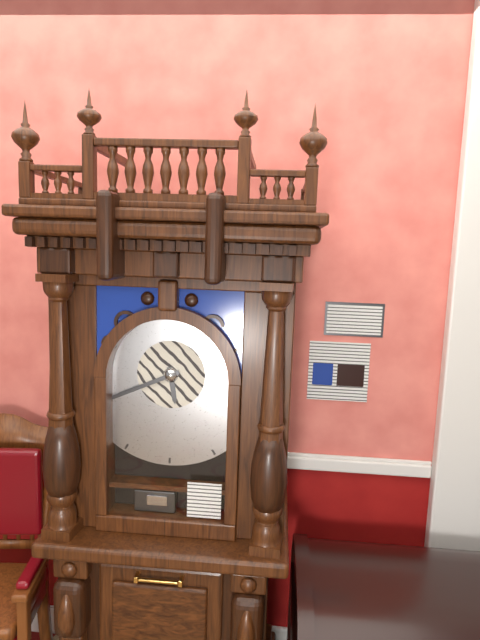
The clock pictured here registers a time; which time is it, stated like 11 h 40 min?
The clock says 5 h 41 min
